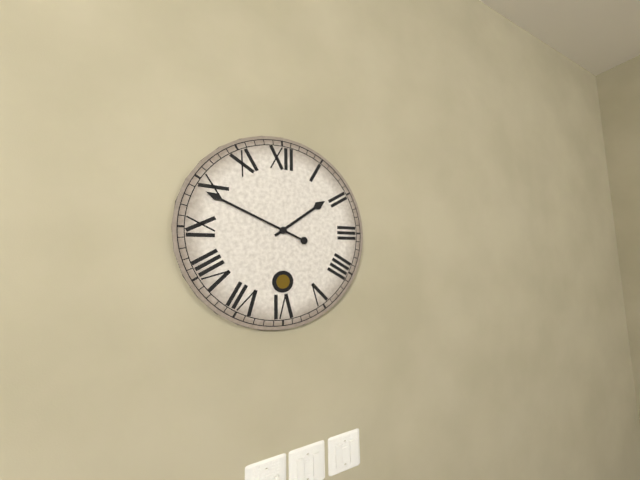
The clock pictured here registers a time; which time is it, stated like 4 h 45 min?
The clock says 1 h 49 min
